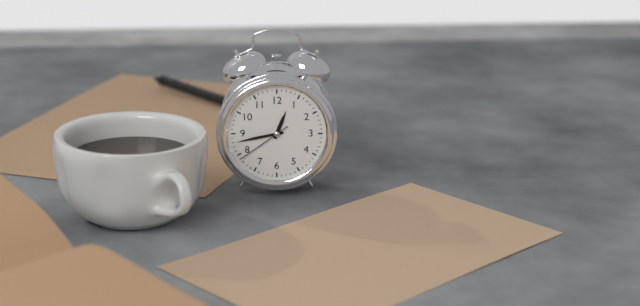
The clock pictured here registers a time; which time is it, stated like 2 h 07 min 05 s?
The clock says 12 h 43 min 39 s
